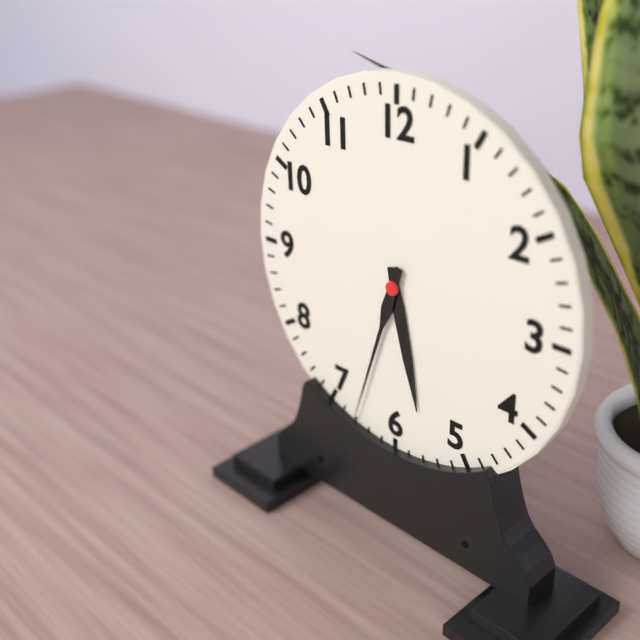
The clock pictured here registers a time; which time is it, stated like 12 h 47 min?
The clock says 5 h 33 min
